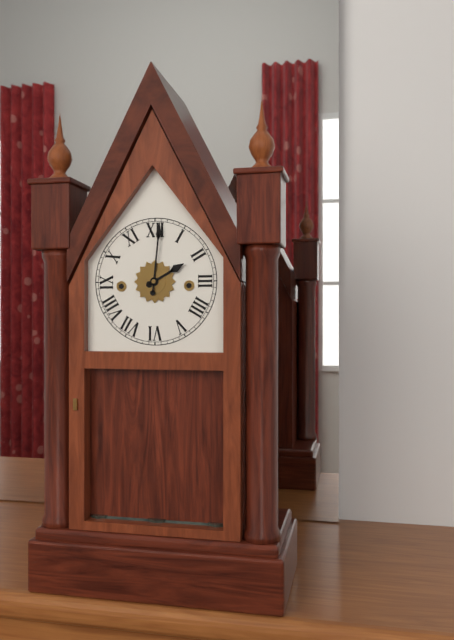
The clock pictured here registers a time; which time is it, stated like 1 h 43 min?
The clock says 2 h 01 min
